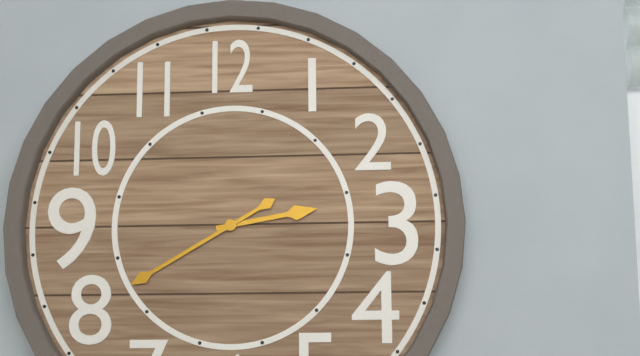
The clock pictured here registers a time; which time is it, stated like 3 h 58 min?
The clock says 2 h 40 min
